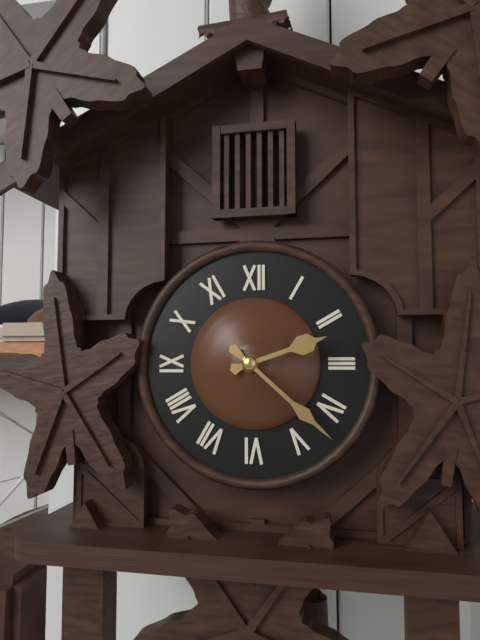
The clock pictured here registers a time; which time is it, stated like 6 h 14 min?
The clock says 2 h 22 min
